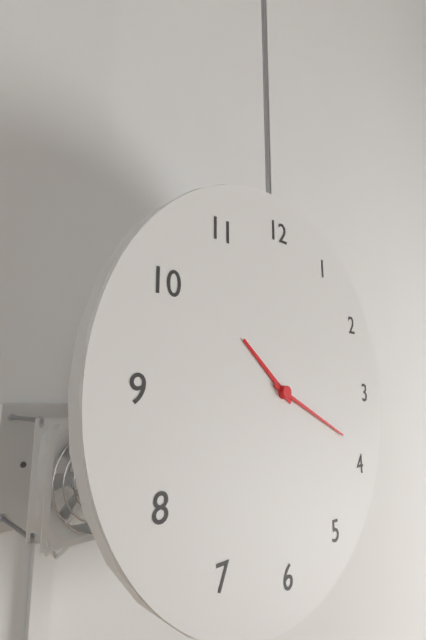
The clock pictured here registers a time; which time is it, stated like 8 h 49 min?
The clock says 10 h 19 min
